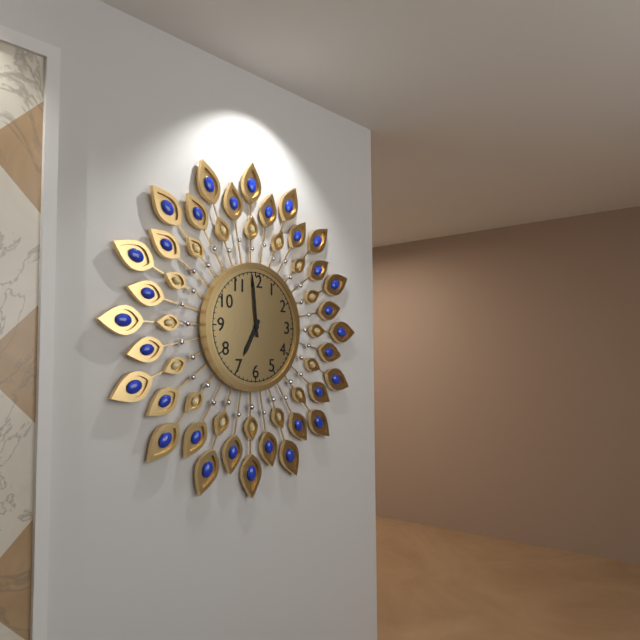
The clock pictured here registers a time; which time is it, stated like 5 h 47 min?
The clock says 6 h 59 min
